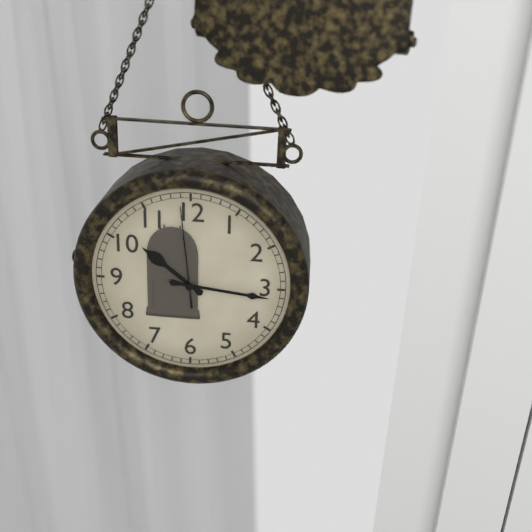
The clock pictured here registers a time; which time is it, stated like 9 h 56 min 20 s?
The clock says 10 h 16 min 59 s
